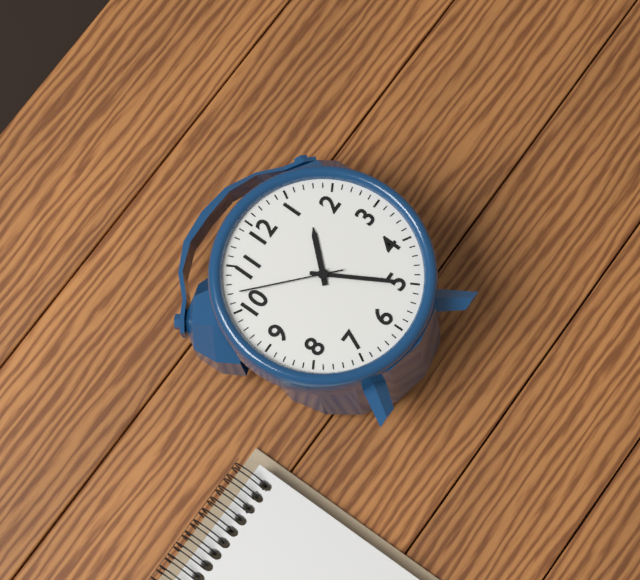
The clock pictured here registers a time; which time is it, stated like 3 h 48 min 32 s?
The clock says 1 h 25 min 52 s
